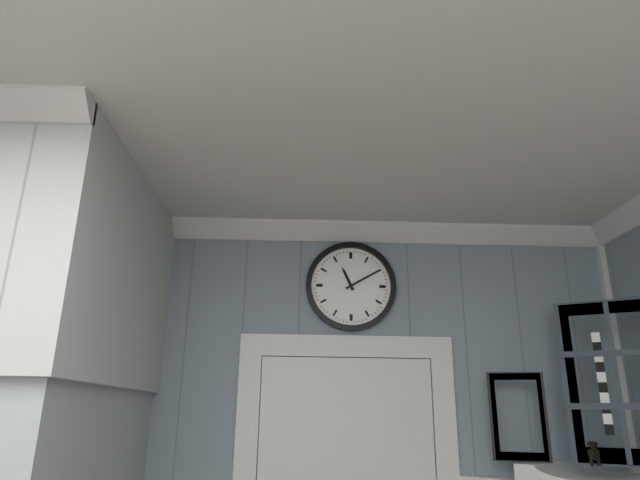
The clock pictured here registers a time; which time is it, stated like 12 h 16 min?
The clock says 11 h 10 min
